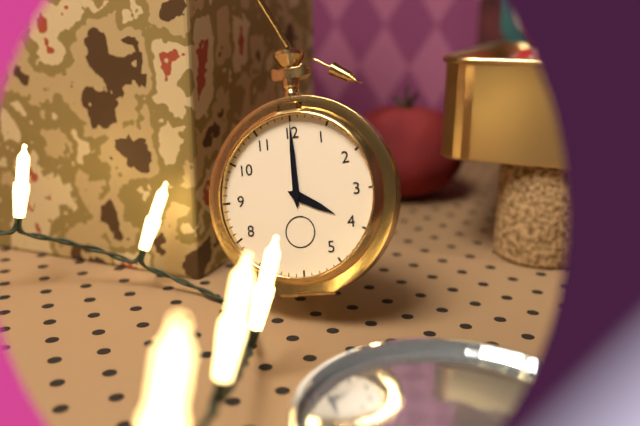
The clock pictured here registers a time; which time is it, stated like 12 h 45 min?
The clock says 4 h 00 min
